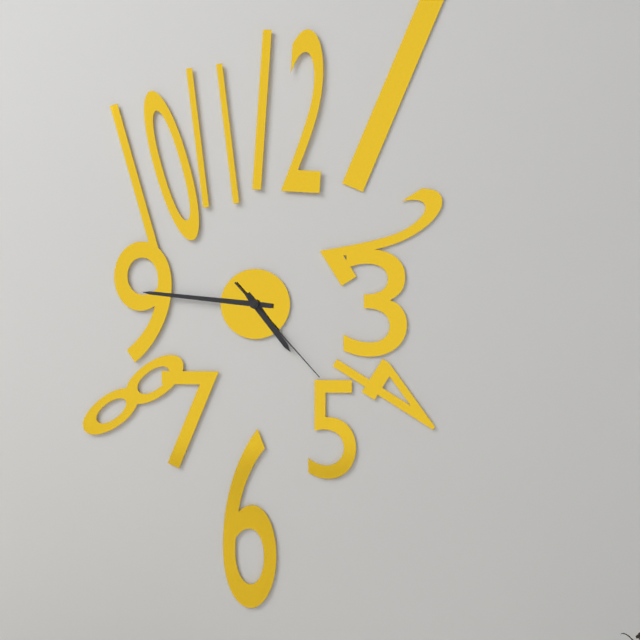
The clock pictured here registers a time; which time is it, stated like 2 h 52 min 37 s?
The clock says 4 h 46 min 23 s
